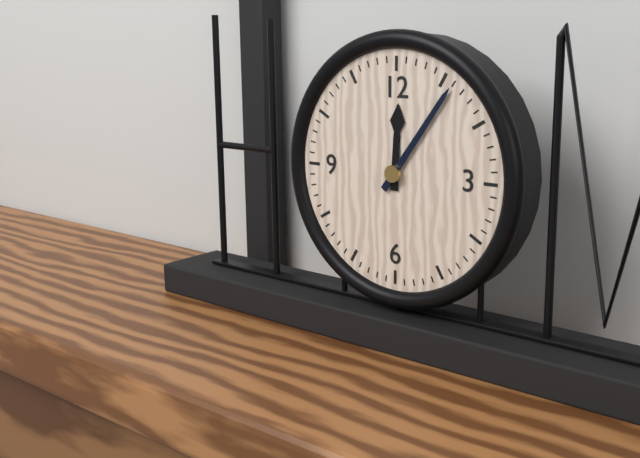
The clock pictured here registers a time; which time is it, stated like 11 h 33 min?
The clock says 12 h 06 min
